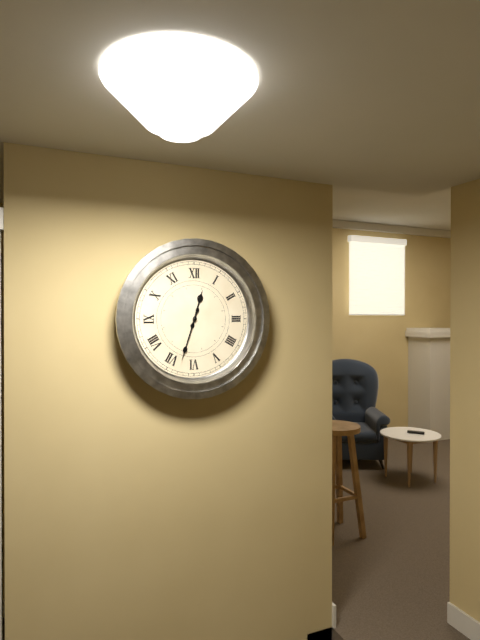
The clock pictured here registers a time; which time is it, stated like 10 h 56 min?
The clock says 12 h 33 min
